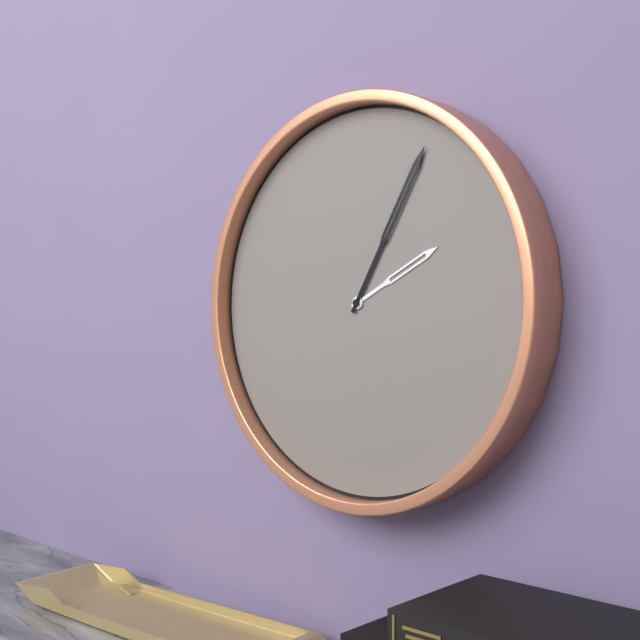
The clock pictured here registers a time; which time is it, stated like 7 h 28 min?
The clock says 2 h 05 min
